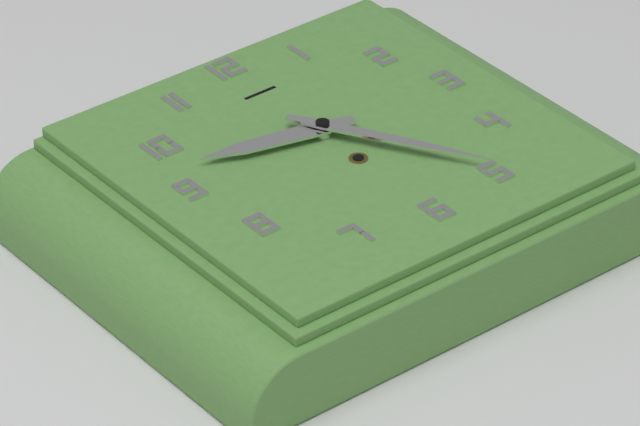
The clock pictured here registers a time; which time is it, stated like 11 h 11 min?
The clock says 9 h 25 min
